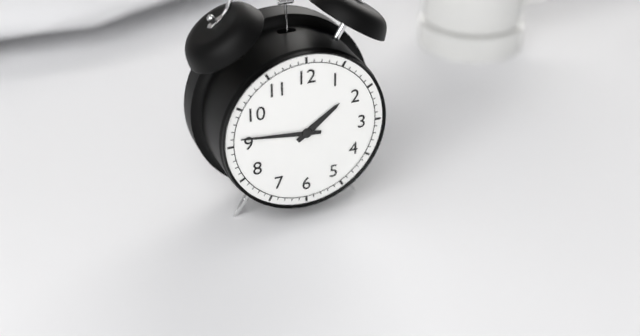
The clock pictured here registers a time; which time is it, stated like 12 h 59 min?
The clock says 1 h 46 min
